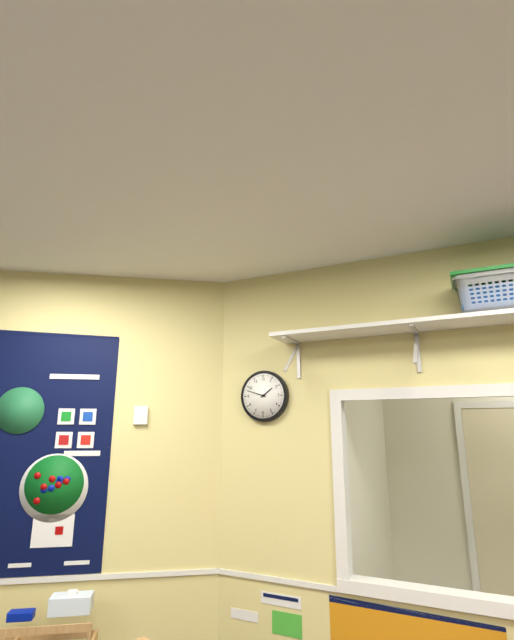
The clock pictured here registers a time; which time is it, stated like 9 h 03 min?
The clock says 1 h 48 min
